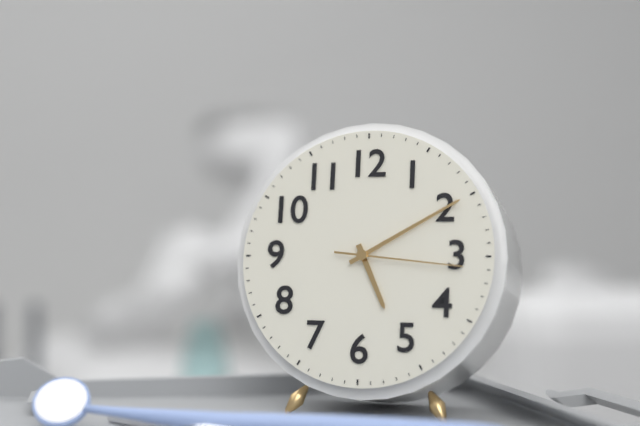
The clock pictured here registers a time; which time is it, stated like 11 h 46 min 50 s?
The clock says 5 h 10 min 16 s
